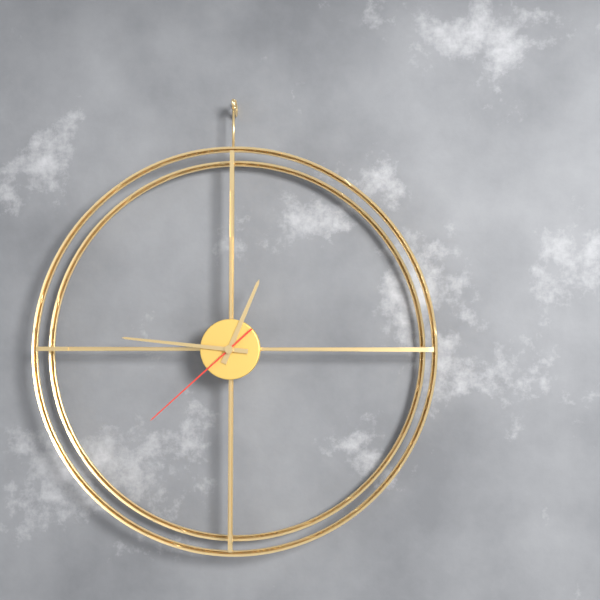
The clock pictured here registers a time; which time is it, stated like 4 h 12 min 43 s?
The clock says 12 h 46 min 38 s
